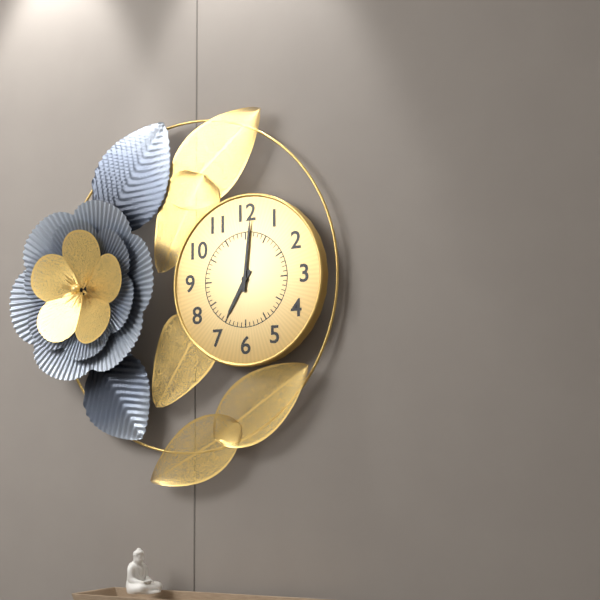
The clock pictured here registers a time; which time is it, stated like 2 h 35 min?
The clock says 7 h 01 min
